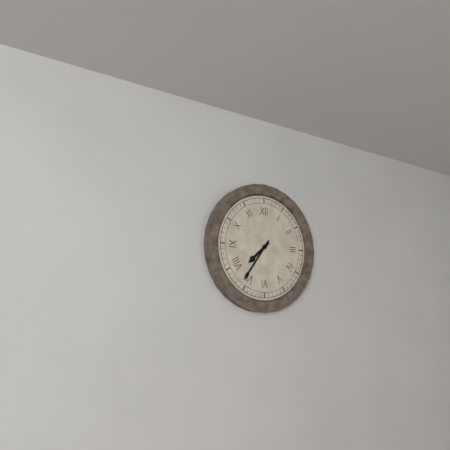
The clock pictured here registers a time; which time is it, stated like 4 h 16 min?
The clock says 7 h 36 min
